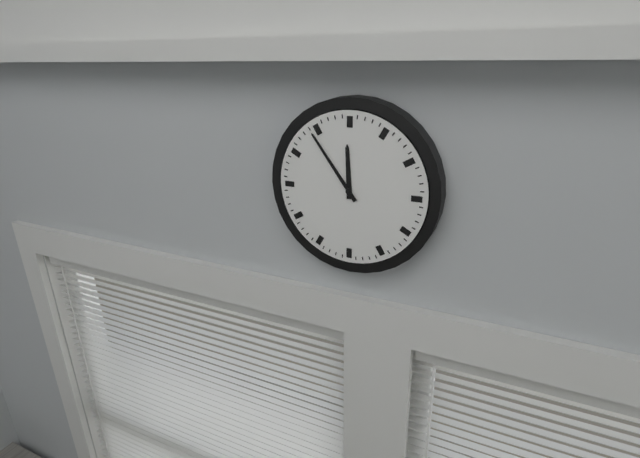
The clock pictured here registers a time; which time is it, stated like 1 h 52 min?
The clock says 11 h 54 min
